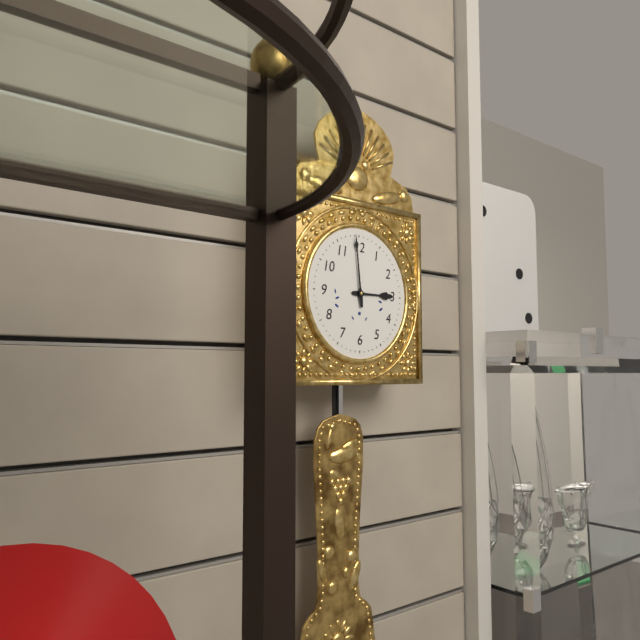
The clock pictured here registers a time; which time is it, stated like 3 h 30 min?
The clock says 2 h 59 min
